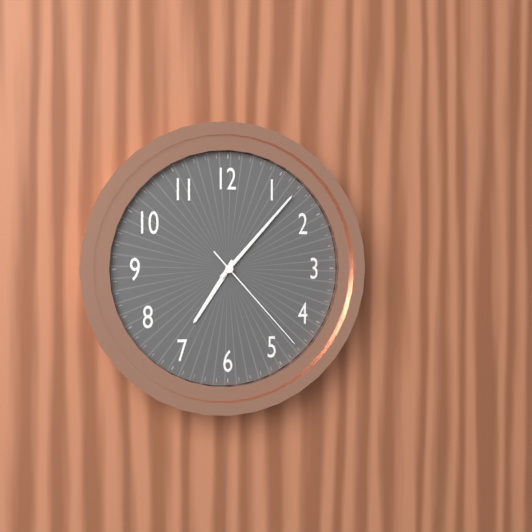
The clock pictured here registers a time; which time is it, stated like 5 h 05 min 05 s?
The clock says 7 h 07 min 23 s
